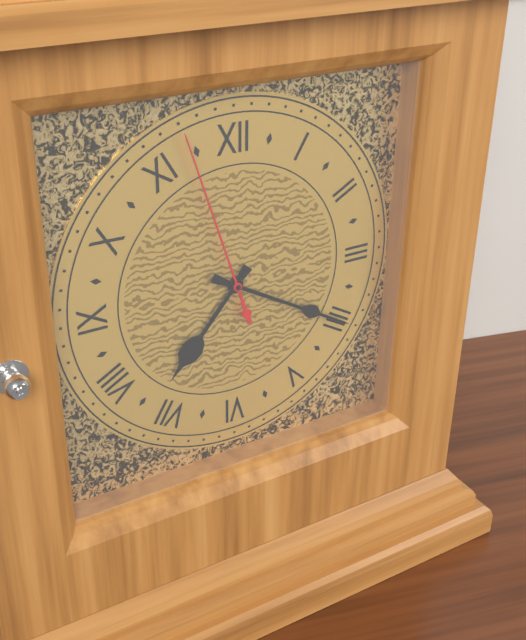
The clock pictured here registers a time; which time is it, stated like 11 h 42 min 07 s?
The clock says 7 h 20 min 57 s
